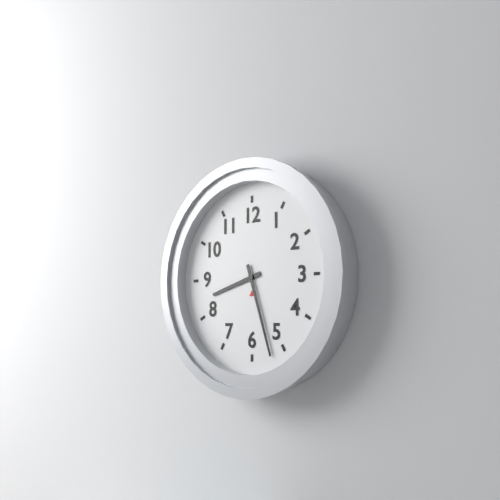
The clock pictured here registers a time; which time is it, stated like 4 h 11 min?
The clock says 8 h 27 min
